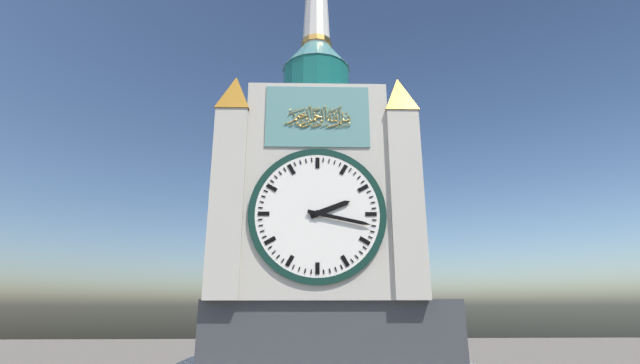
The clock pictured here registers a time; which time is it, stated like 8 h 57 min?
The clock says 2 h 17 min
